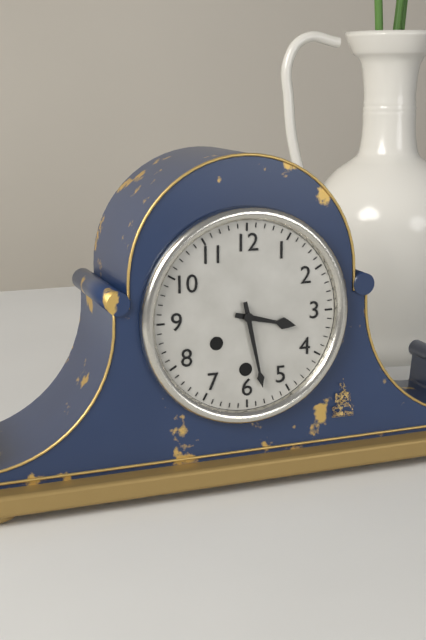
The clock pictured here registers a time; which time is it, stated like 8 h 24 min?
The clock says 3 h 28 min
